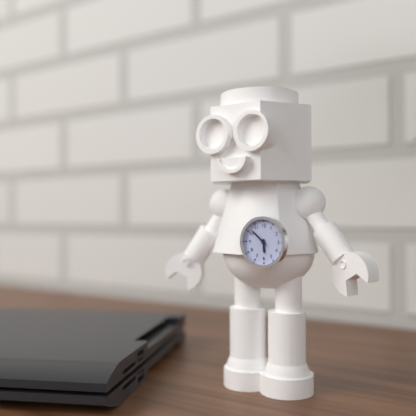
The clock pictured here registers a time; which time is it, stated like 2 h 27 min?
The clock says 5 h 52 min
